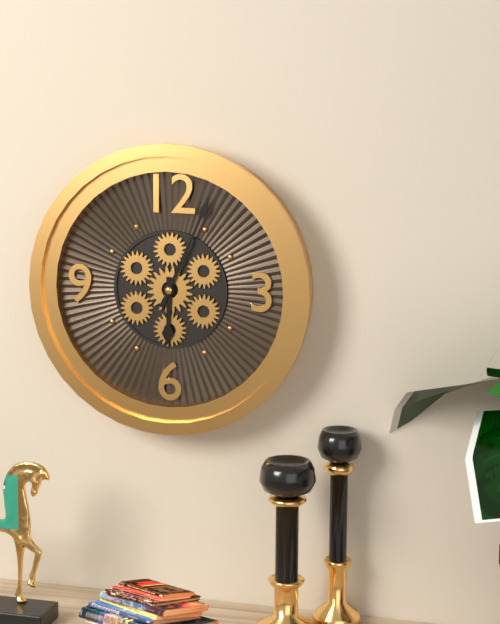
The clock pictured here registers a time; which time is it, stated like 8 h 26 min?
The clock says 6 h 04 min
